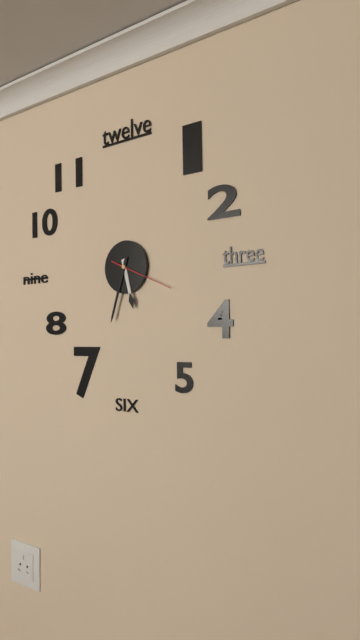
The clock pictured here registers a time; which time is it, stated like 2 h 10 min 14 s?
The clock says 5 h 33 min 19 s
